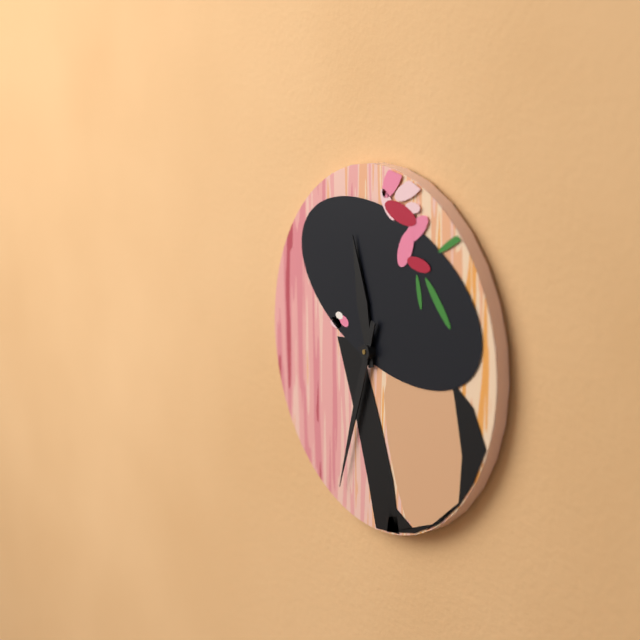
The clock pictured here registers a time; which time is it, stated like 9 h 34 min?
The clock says 11 h 33 min
